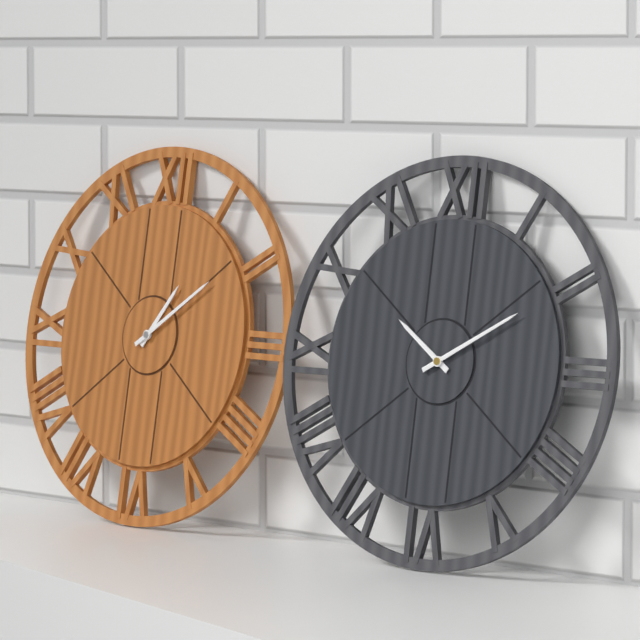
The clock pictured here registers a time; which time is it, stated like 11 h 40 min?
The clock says 1 h 09 min
